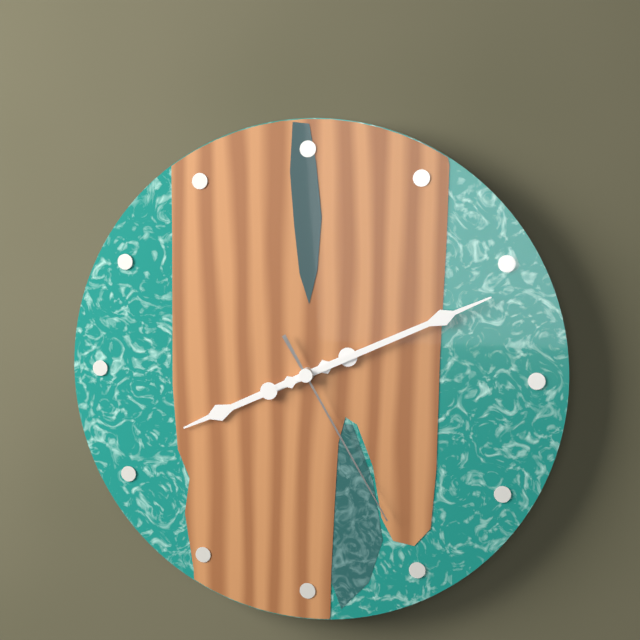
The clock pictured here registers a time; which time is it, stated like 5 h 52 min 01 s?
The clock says 8 h 11 min 25 s
